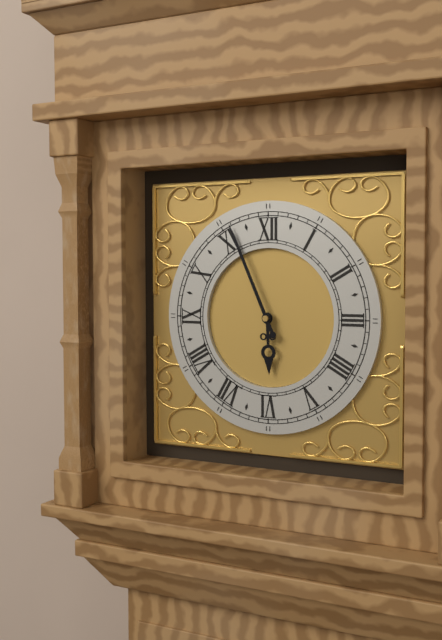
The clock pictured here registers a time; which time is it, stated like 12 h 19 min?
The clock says 5 h 56 min
